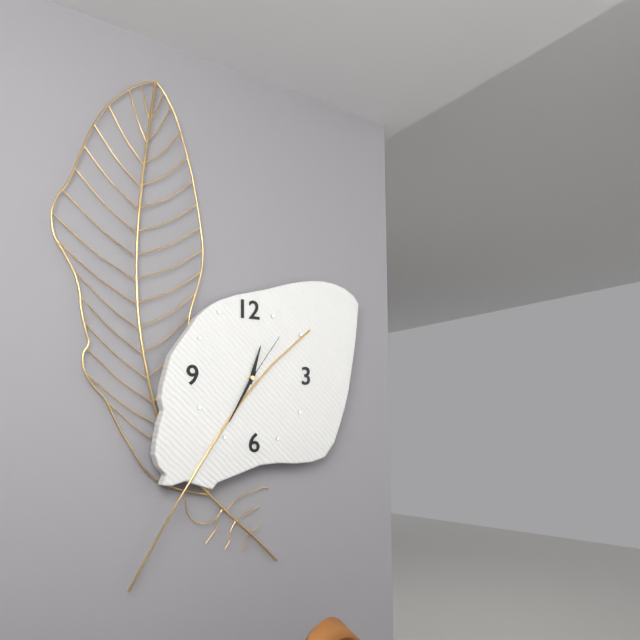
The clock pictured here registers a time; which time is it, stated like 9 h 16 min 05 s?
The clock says 12 h 35 min 06 s
